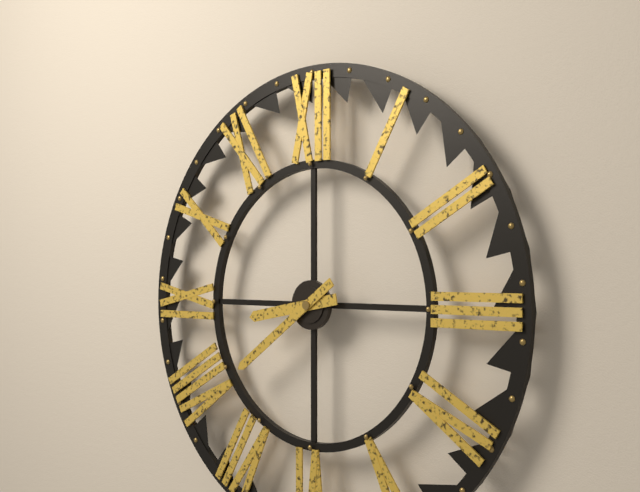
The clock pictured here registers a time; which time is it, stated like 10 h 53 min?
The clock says 8 h 39 min
